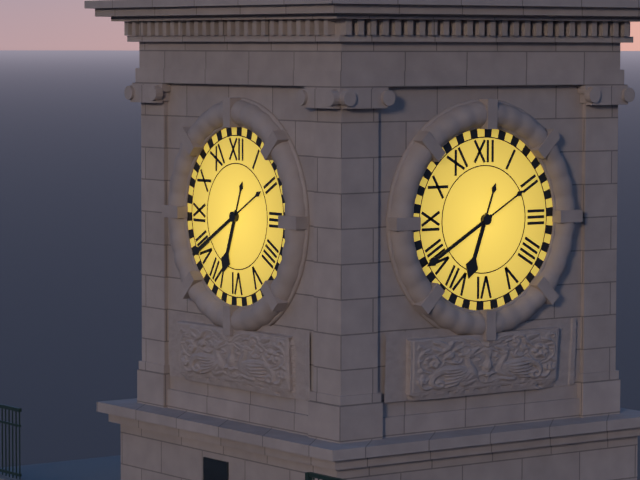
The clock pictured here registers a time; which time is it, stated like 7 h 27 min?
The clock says 6 h 40 min
